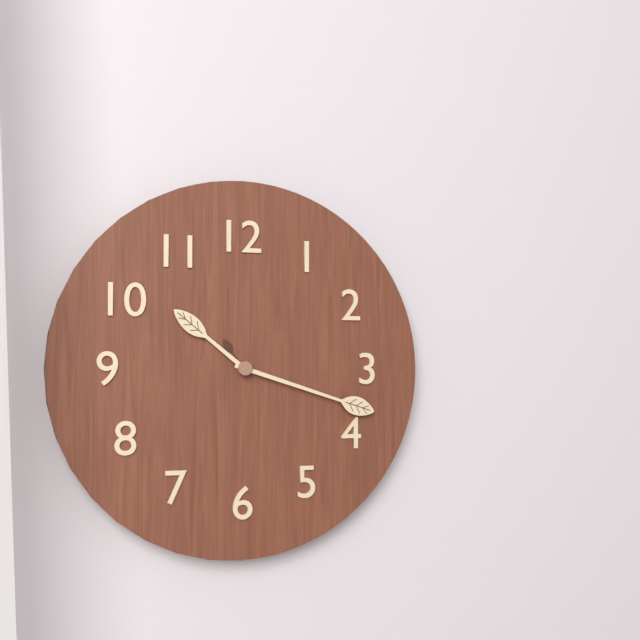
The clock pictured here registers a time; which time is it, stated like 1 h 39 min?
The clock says 10 h 18 min
